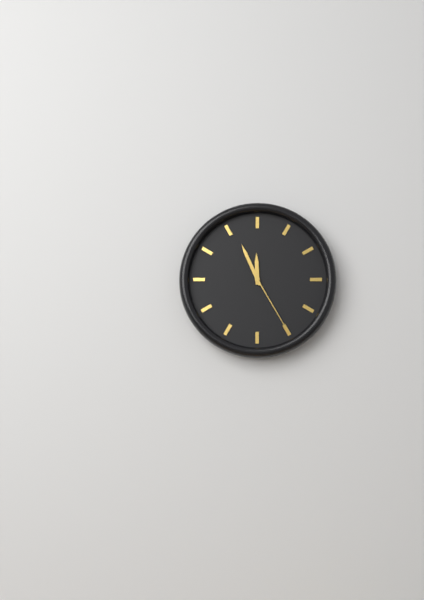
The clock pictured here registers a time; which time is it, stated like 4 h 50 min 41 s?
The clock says 11 h 56 min 25 s
